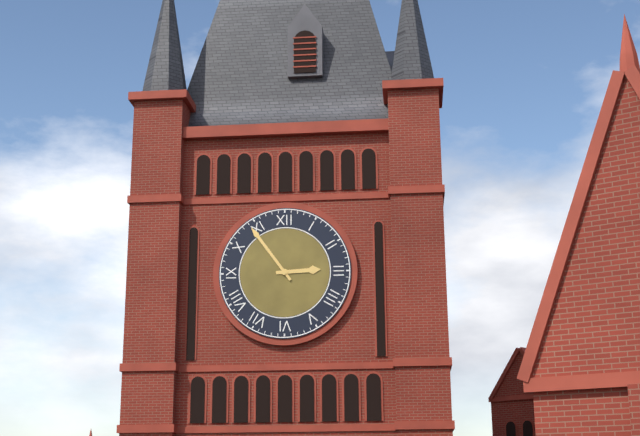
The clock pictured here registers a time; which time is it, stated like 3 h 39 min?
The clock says 2 h 54 min
